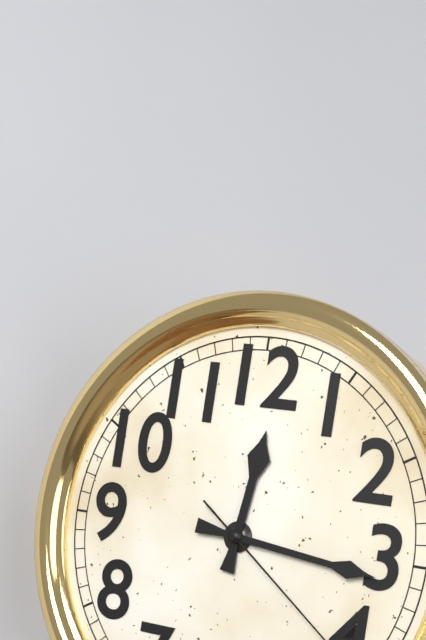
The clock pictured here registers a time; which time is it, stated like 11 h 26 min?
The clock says 12 h 16 min
